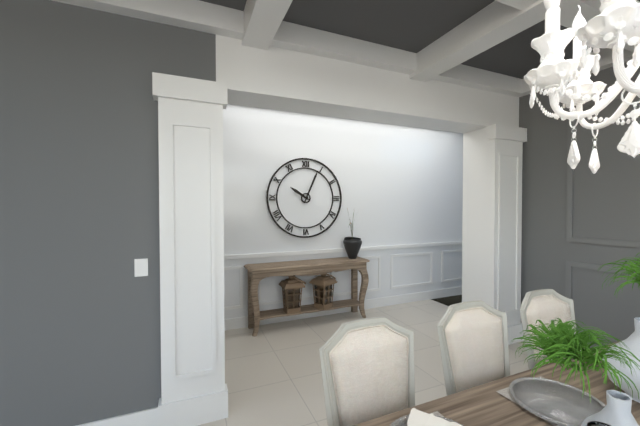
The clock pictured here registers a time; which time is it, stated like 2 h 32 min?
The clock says 10 h 04 min
